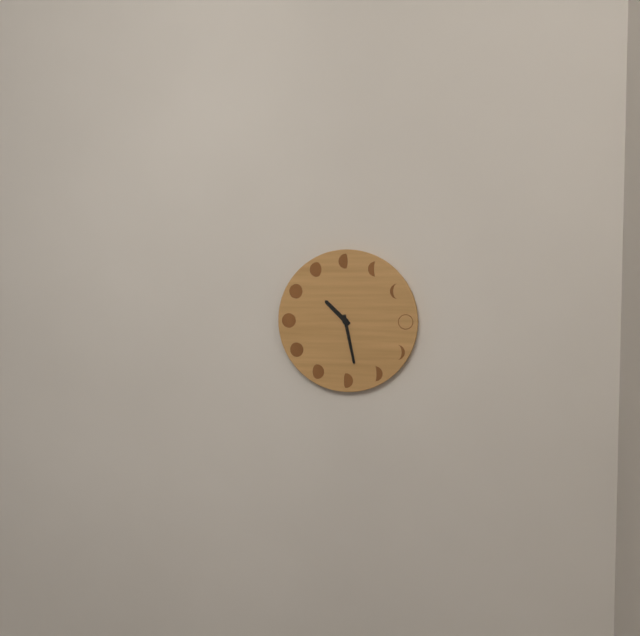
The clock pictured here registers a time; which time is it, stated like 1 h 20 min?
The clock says 10 h 28 min
